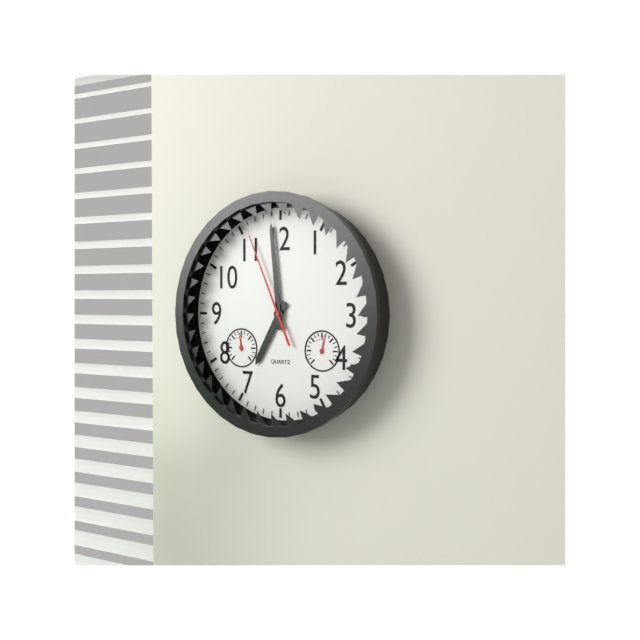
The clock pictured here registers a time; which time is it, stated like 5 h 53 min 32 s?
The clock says 6 h 59 min 56 s
